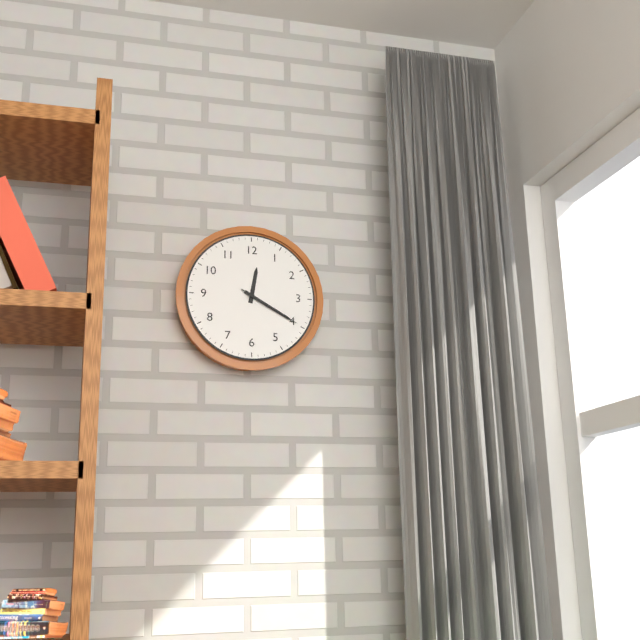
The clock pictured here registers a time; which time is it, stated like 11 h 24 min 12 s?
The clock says 12 h 20 min 20 s
